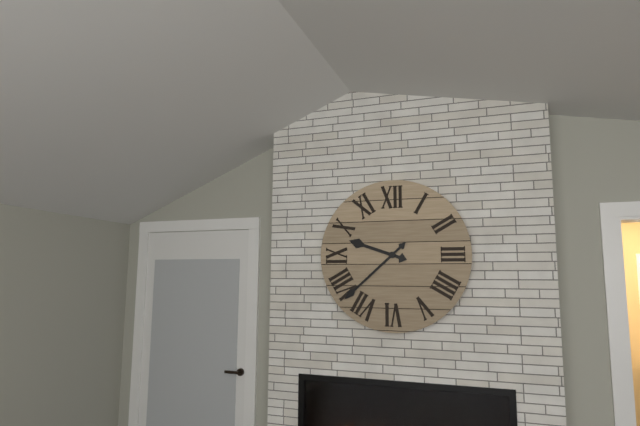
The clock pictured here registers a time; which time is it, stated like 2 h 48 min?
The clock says 9 h 38 min
